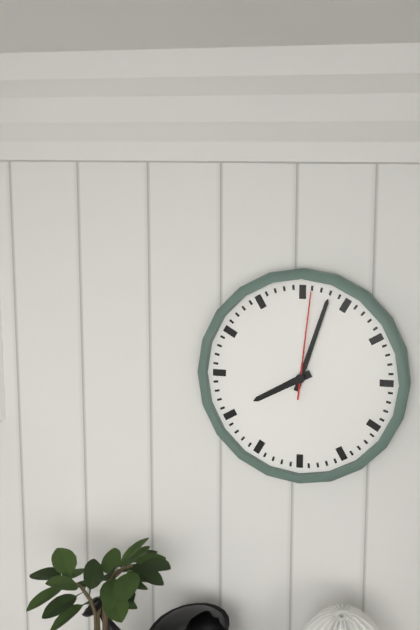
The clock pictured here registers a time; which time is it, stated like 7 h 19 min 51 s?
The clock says 8 h 03 min 01 s
